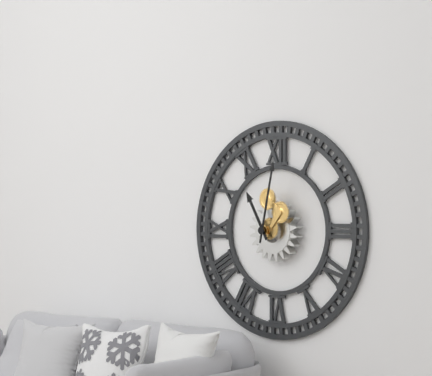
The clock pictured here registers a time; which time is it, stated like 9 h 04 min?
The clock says 11 h 02 min
